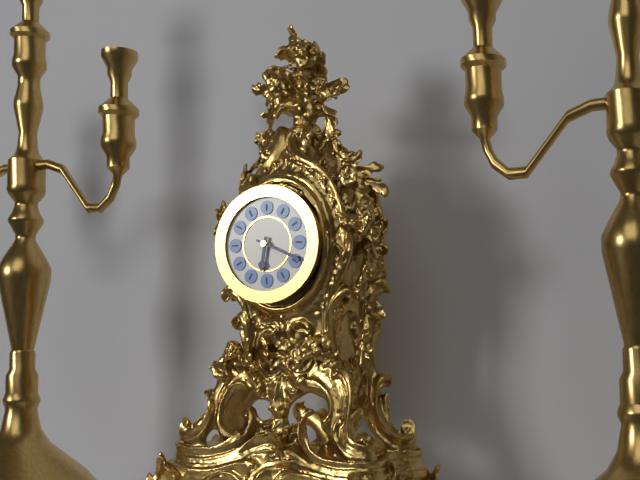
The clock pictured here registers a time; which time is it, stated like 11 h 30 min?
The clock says 6 h 19 min
